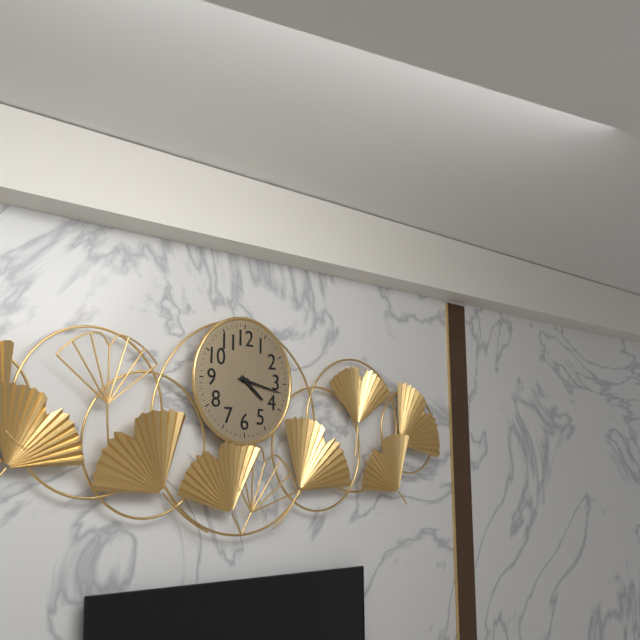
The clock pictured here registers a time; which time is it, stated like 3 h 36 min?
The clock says 4 h 17 min
